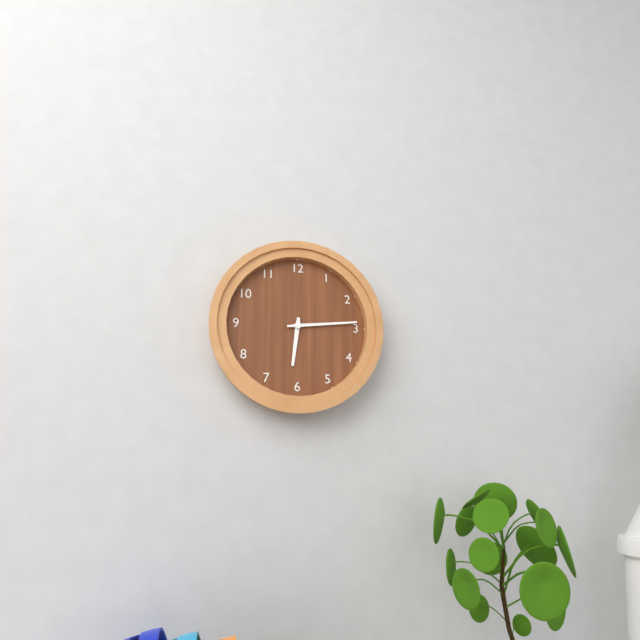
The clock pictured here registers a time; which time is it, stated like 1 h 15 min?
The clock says 6 h 14 min
